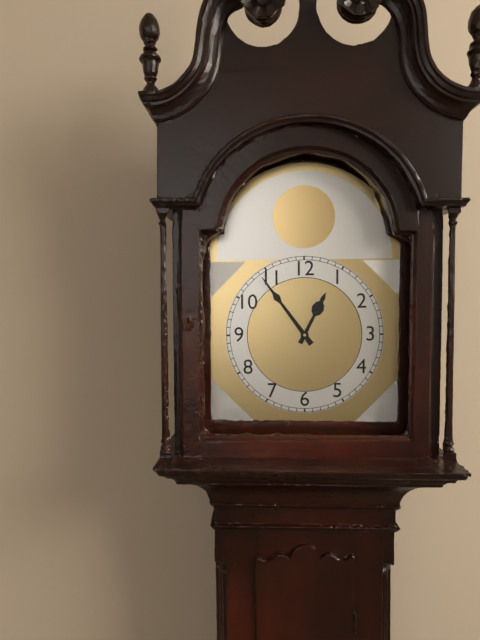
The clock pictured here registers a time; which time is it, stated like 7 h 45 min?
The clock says 12 h 54 min
